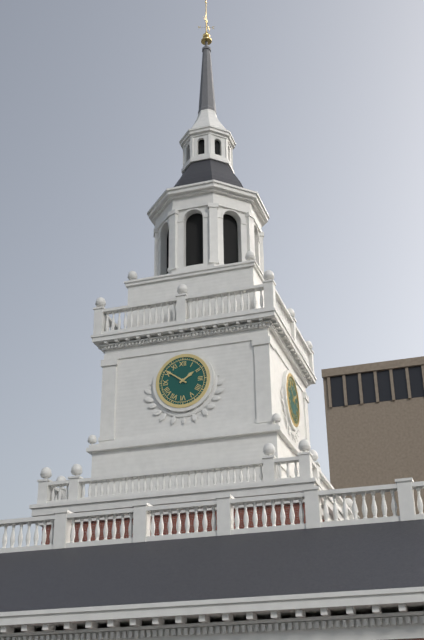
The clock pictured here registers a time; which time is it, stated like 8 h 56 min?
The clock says 1 h 51 min
